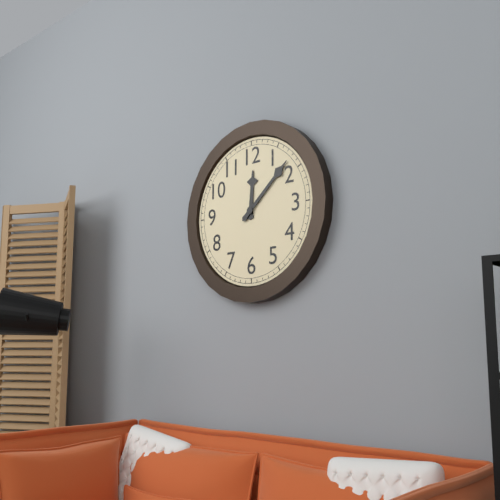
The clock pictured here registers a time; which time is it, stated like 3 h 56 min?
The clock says 12 h 08 min
